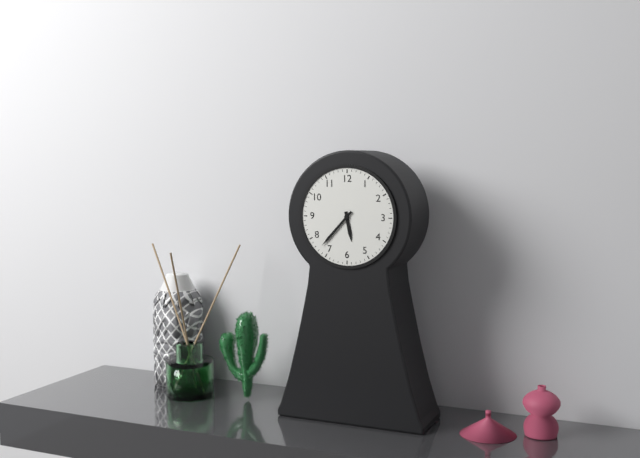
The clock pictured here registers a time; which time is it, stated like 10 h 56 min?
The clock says 5 h 37 min
